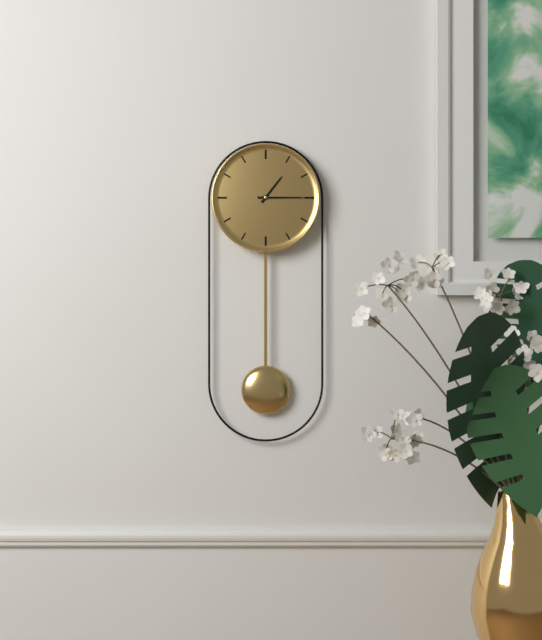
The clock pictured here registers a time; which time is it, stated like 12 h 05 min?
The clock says 1 h 15 min
